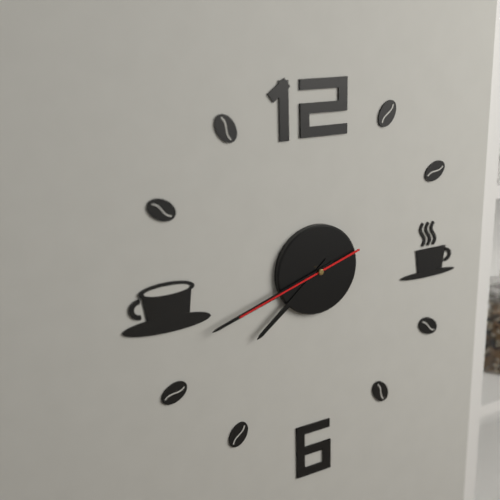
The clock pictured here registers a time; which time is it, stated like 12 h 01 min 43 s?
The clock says 7 h 42 min 42 s
